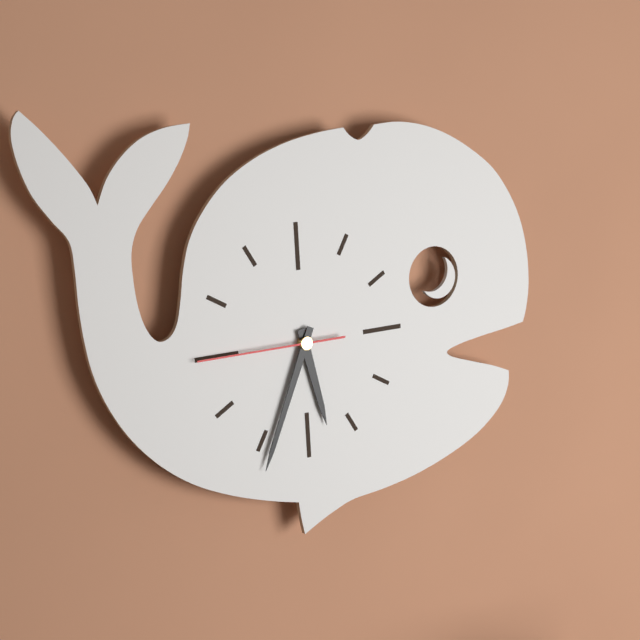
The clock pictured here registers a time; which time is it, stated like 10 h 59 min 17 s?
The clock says 5 h 34 min 45 s
